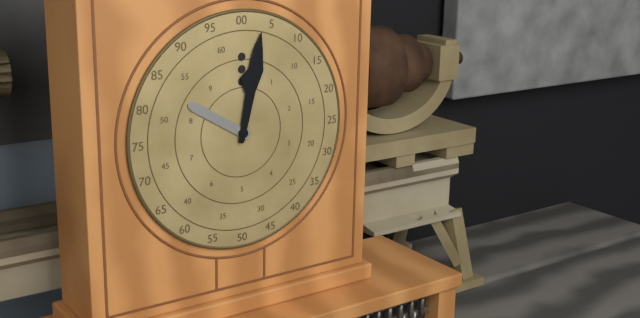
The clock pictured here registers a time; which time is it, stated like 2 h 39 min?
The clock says 10 h 02 min
